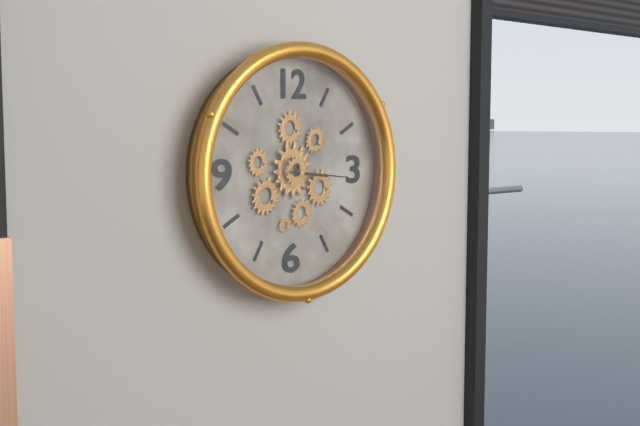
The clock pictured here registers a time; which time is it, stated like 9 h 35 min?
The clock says 3 h 16 min
